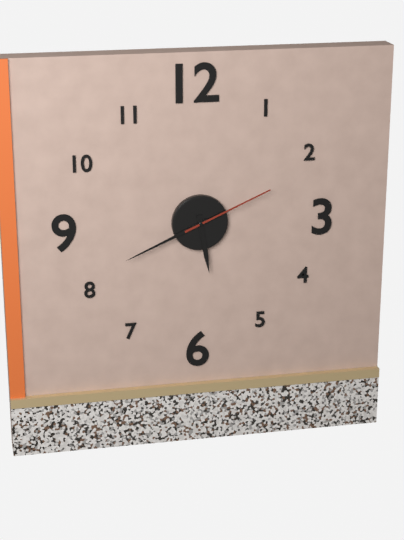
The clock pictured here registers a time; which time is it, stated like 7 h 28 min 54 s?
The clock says 5 h 41 min 11 s
